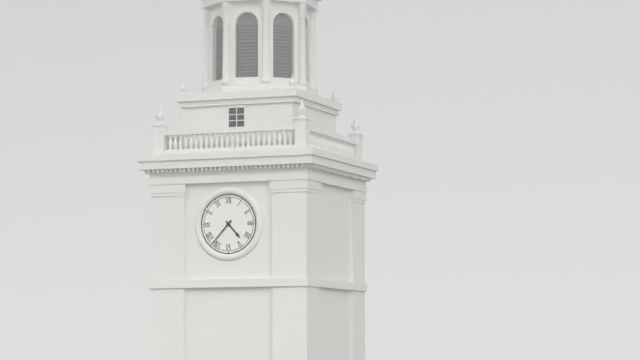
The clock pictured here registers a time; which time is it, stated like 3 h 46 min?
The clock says 4 h 37 min
